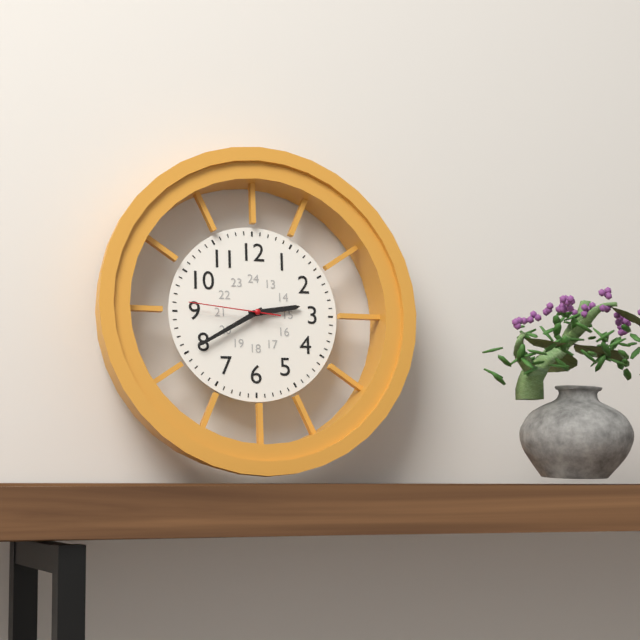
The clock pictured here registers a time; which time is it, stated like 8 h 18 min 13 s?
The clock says 2 h 40 min 46 s
